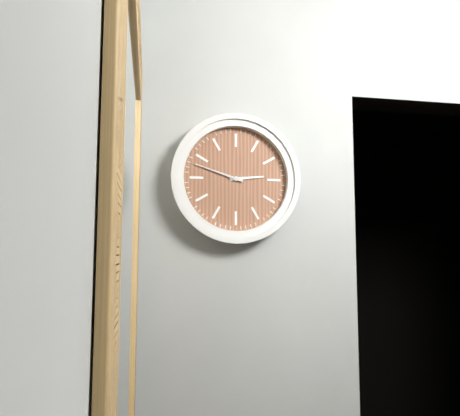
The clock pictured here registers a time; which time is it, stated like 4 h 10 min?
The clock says 2 h 48 min
